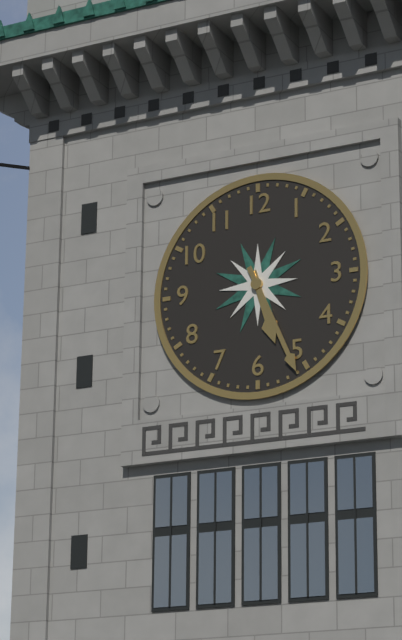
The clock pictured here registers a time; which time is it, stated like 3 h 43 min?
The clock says 5 h 26 min
